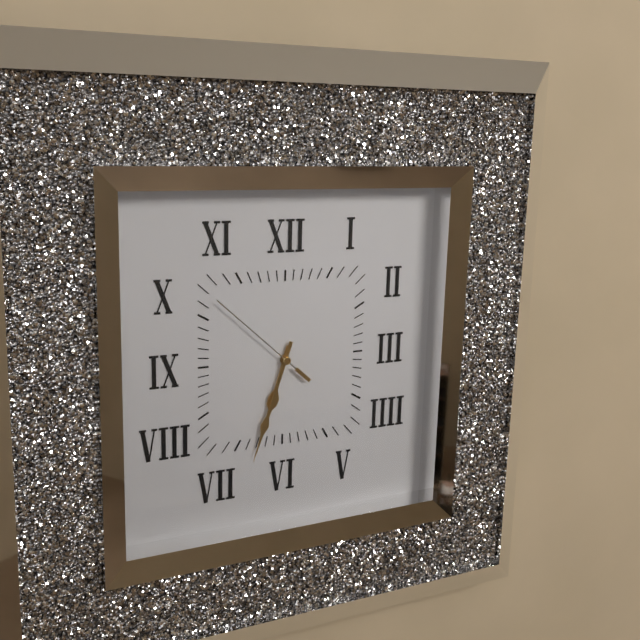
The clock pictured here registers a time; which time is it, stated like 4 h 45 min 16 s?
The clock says 6 h 33 min 52 s
